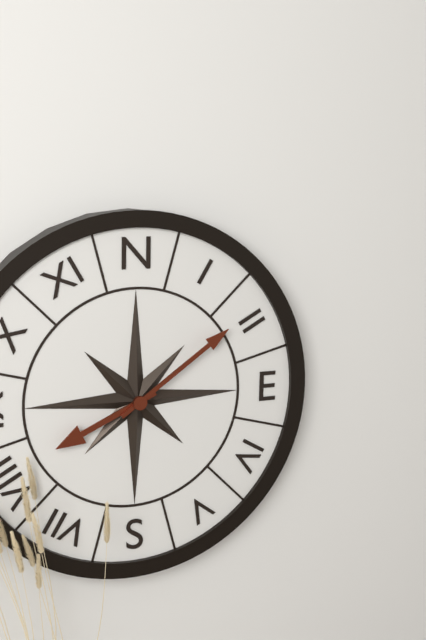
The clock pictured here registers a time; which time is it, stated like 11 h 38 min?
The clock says 8 h 09 min
